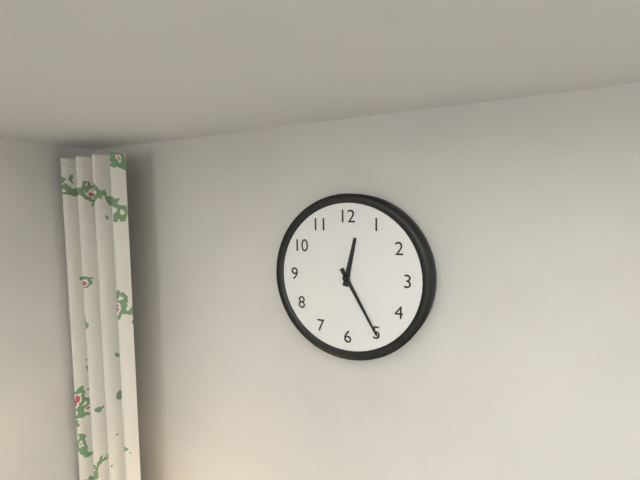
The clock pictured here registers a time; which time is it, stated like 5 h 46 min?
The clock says 12 h 25 min
